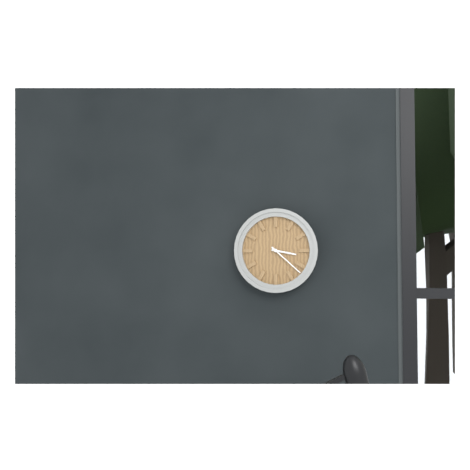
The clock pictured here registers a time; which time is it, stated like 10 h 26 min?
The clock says 3 h 22 min
